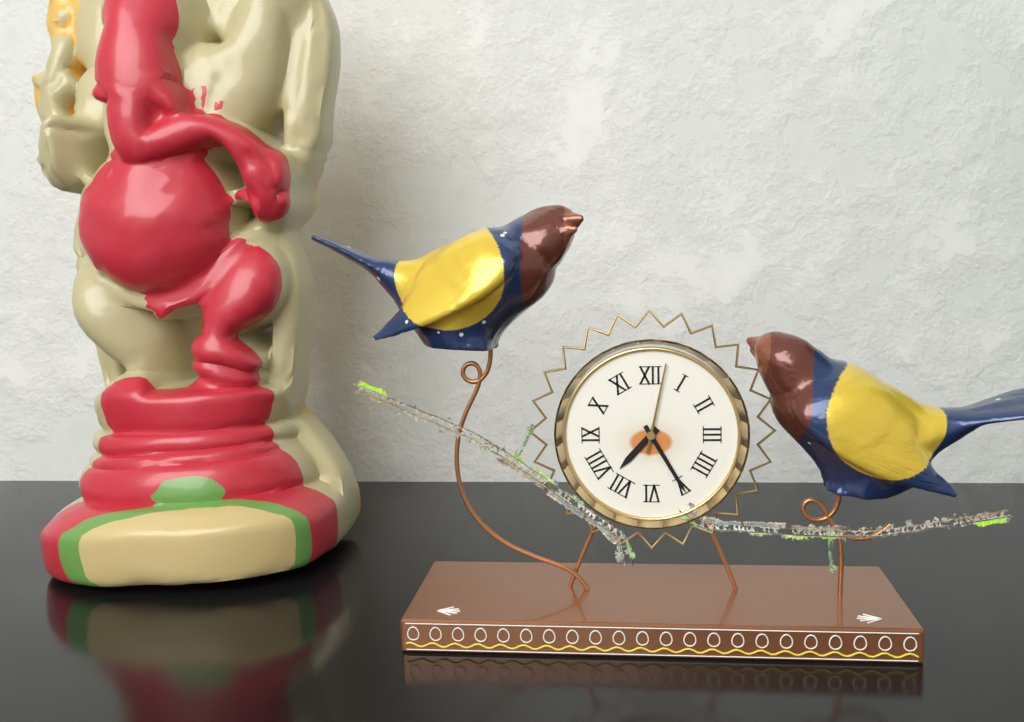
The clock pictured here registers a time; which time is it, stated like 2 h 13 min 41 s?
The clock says 7 h 25 min 02 s
